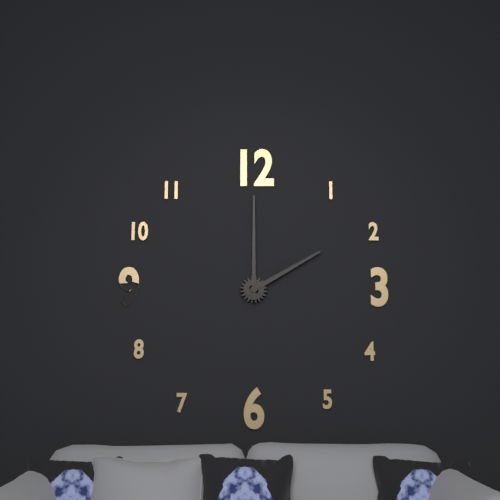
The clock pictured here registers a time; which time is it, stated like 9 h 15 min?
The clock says 2 h 00 min
